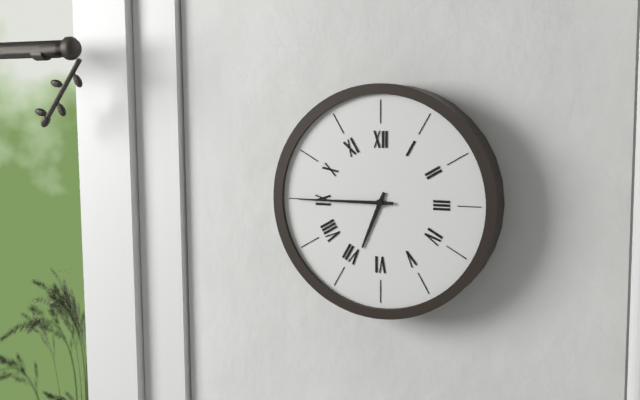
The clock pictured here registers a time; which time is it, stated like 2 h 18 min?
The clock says 6 h 45 min
